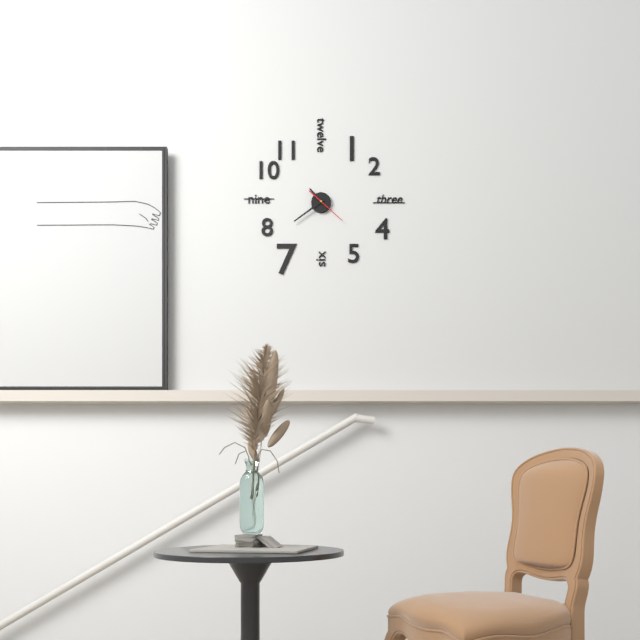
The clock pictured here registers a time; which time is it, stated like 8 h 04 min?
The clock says 10 h 39 min
